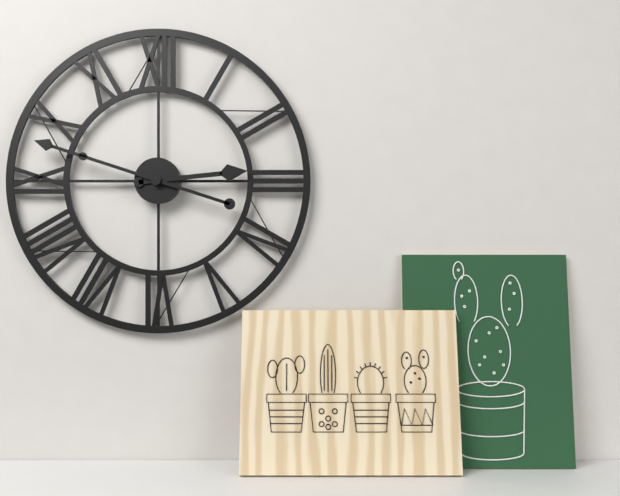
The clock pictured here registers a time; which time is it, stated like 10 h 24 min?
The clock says 2 h 48 min
